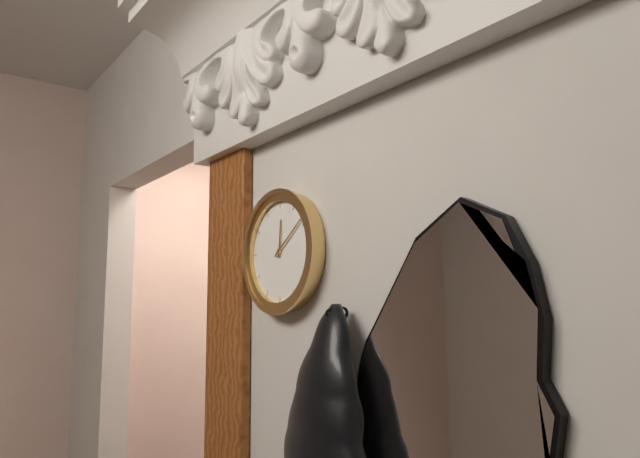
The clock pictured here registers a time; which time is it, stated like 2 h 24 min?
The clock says 12 h 09 min
